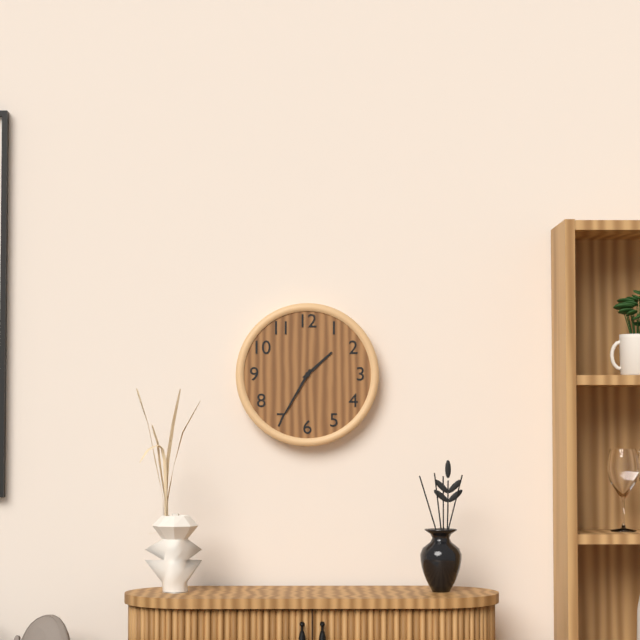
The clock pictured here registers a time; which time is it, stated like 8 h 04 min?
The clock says 1 h 35 min
